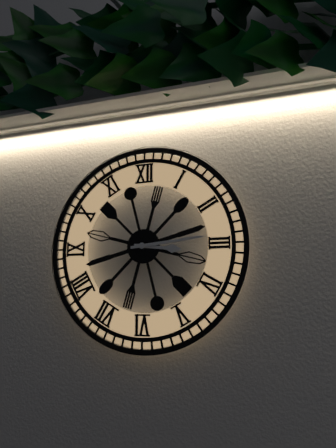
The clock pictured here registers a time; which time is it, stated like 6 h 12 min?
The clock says 3 h 14 min
